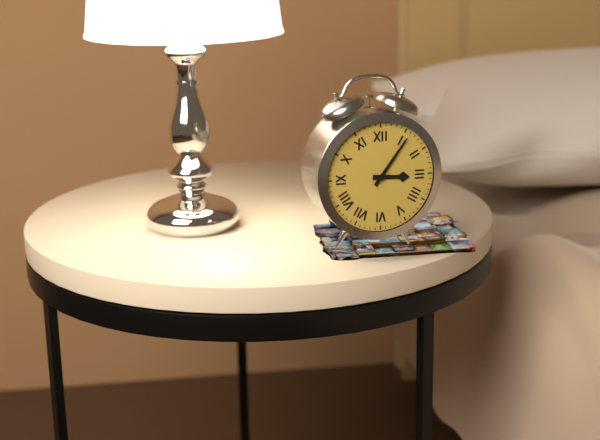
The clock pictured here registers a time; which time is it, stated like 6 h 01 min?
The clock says 3 h 06 min
